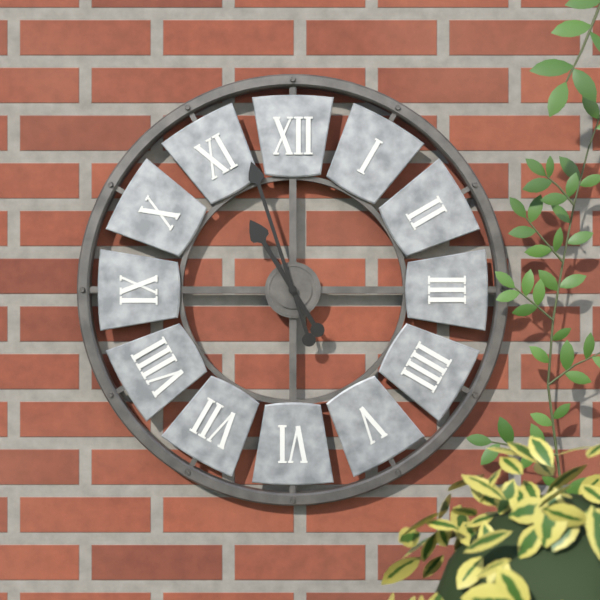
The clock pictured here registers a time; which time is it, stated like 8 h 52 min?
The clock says 10 h 57 min
